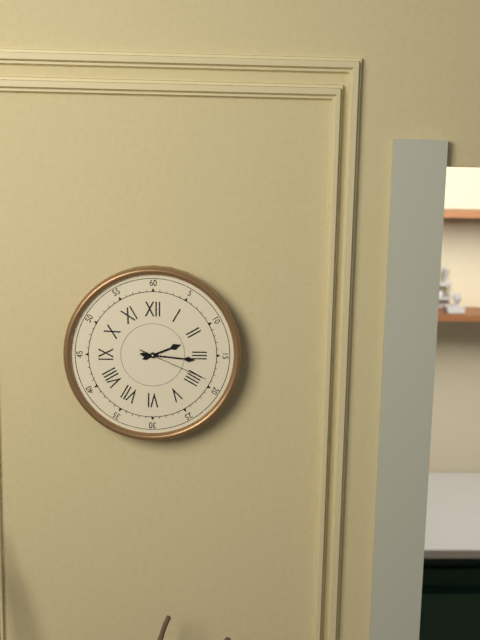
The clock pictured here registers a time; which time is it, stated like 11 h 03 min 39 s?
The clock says 2 h 16 min 19 s
